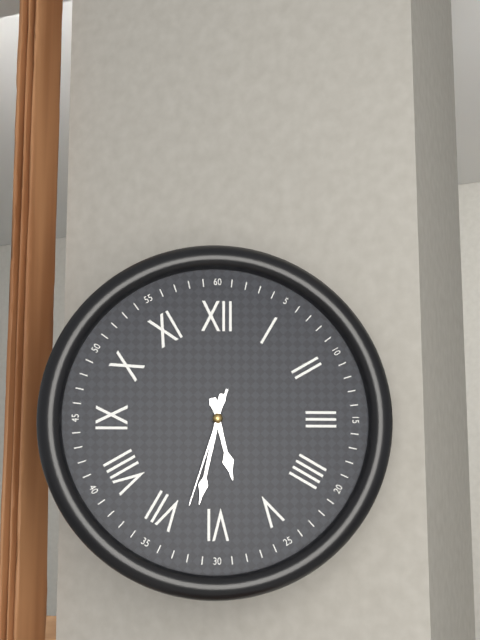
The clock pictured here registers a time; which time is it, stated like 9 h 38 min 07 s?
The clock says 5 h 32 min 33 s
